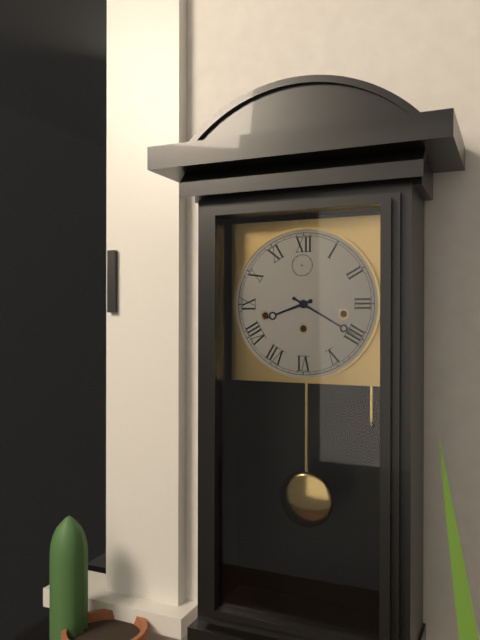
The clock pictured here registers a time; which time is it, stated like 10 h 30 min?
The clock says 8 h 20 min
